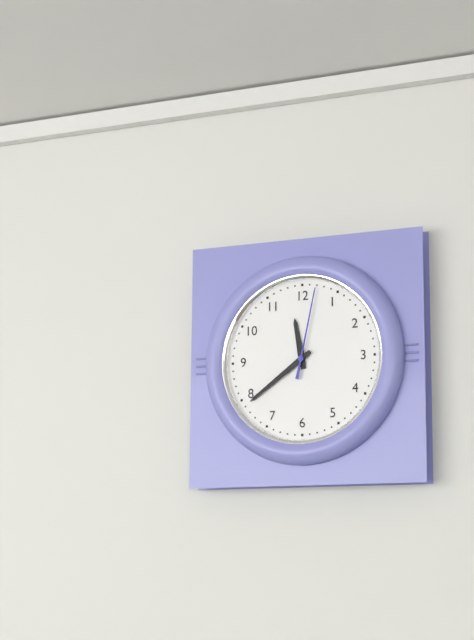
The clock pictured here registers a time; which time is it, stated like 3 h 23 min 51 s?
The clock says 11 h 39 min 02 s
